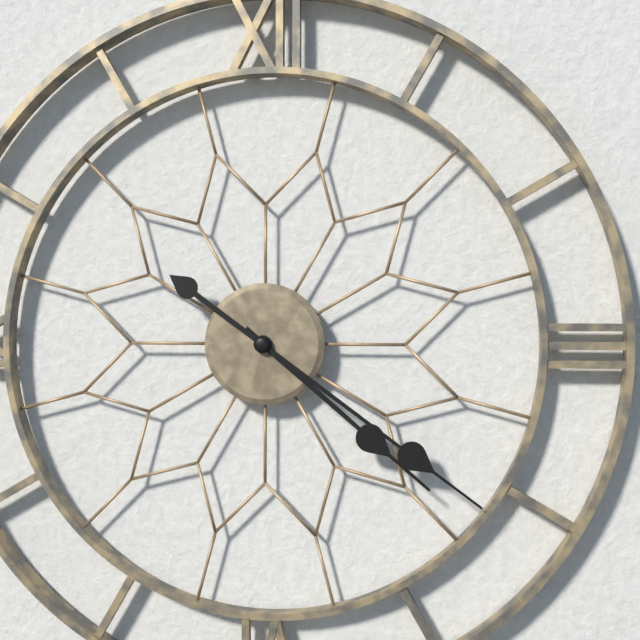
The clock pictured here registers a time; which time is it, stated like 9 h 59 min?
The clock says 4 h 21 min
